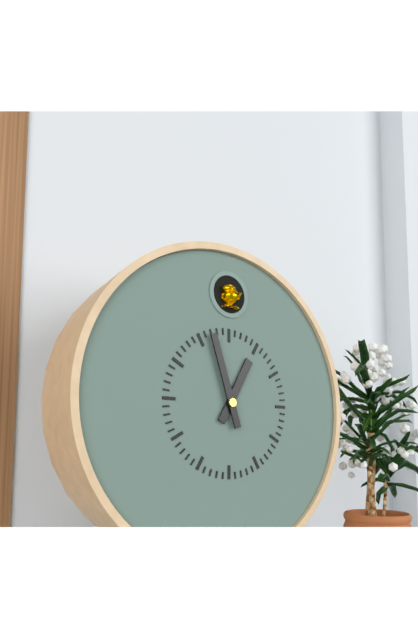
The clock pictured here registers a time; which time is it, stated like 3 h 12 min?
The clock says 12 h 57 min
